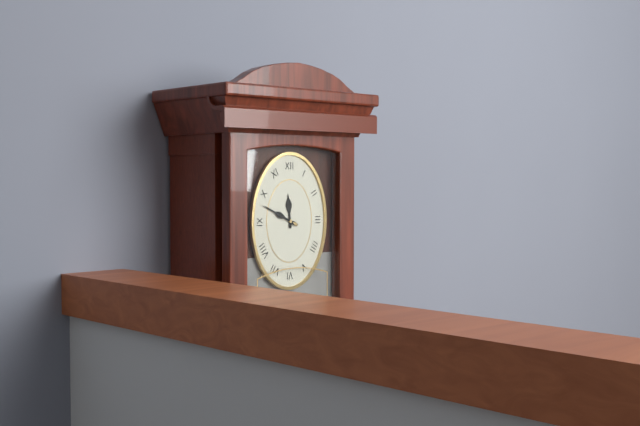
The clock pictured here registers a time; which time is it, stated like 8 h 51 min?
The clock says 11 h 49 min
